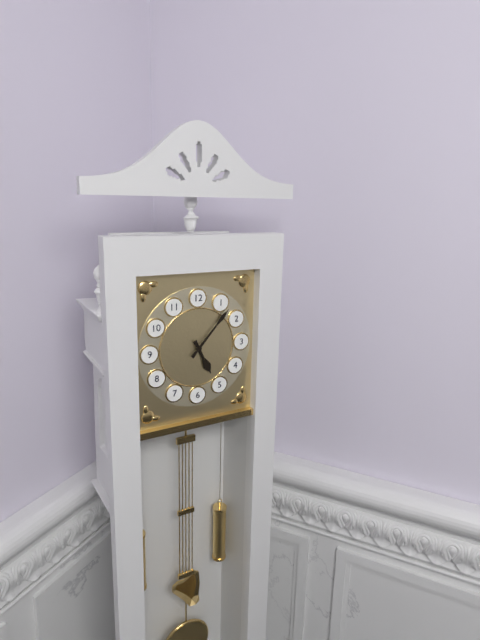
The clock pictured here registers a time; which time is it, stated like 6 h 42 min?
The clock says 5 h 07 min
